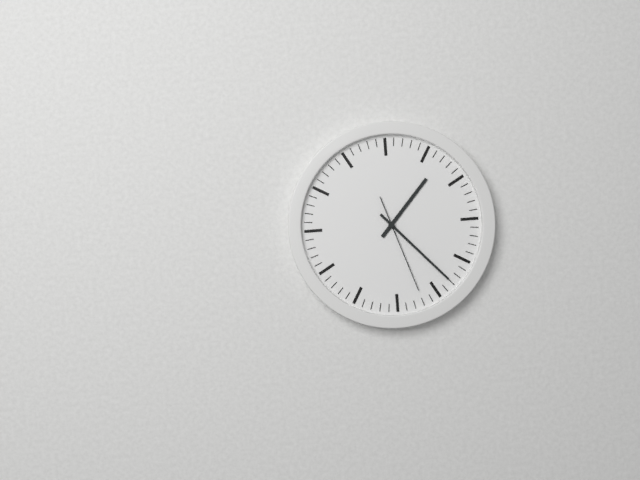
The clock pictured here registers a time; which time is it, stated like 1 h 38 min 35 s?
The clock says 1 h 23 min 27 s
